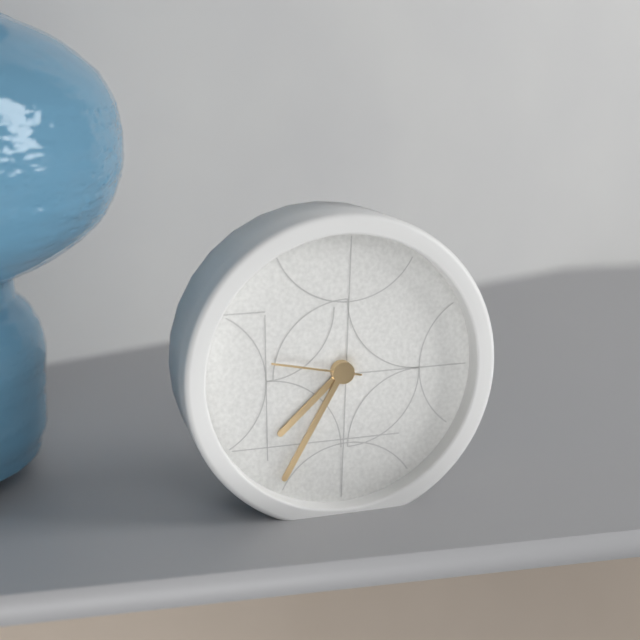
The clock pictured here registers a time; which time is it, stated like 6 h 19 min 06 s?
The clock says 7 h 35 min 47 s
